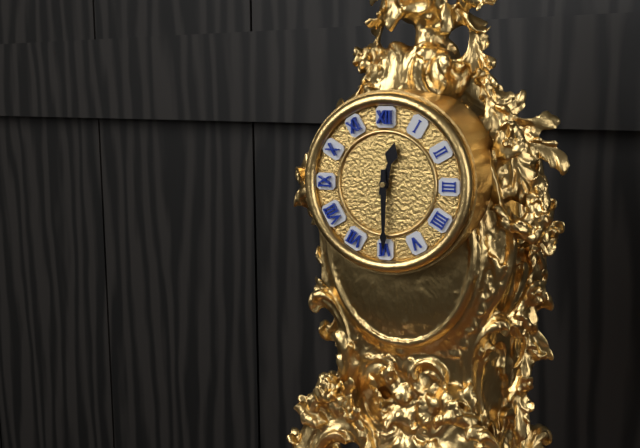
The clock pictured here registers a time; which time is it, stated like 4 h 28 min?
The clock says 12 h 30 min
